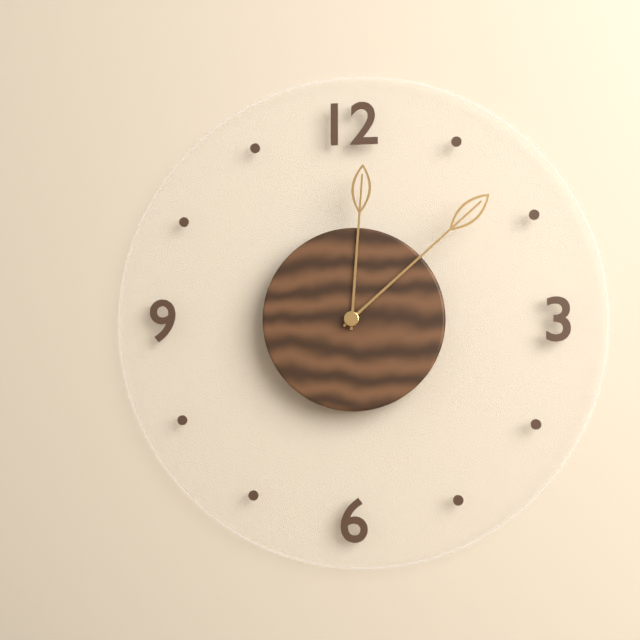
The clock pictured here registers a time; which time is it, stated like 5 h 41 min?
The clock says 12 h 08 min
